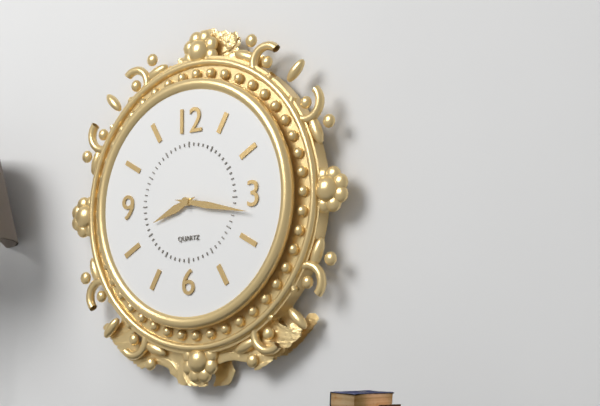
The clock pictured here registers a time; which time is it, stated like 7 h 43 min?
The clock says 8 h 17 min
